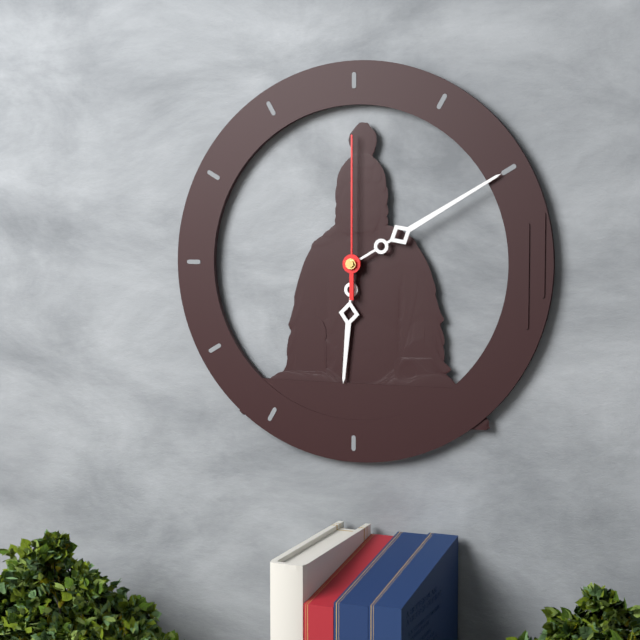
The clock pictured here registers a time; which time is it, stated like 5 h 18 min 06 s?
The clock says 6 h 10 min 00 s
